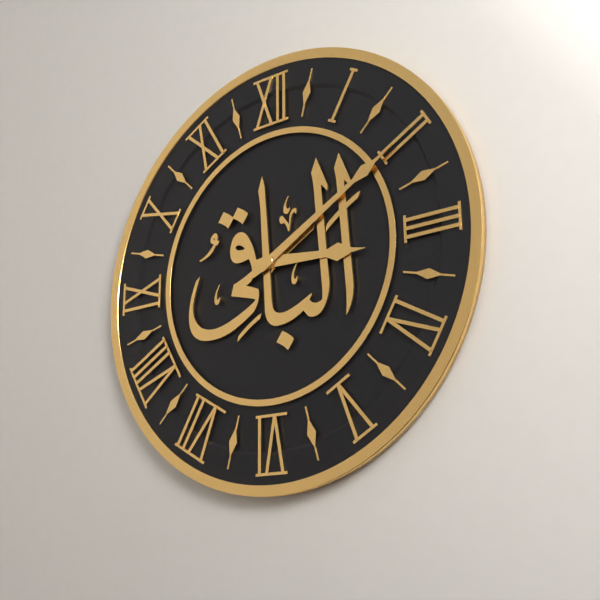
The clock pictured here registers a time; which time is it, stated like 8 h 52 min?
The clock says 3 h 10 min
